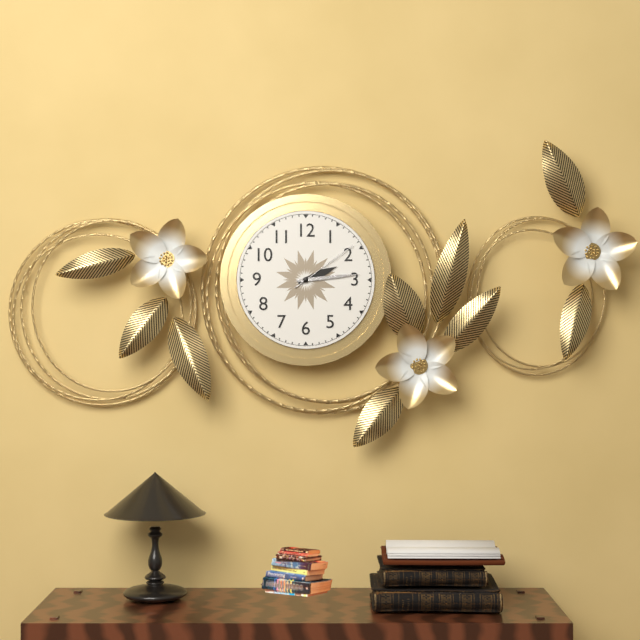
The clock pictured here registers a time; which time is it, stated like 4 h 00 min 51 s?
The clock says 2 h 14 min 09 s
